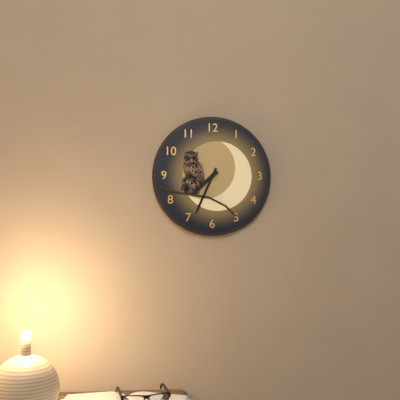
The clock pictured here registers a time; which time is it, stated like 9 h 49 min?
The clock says 7 h 34 min
